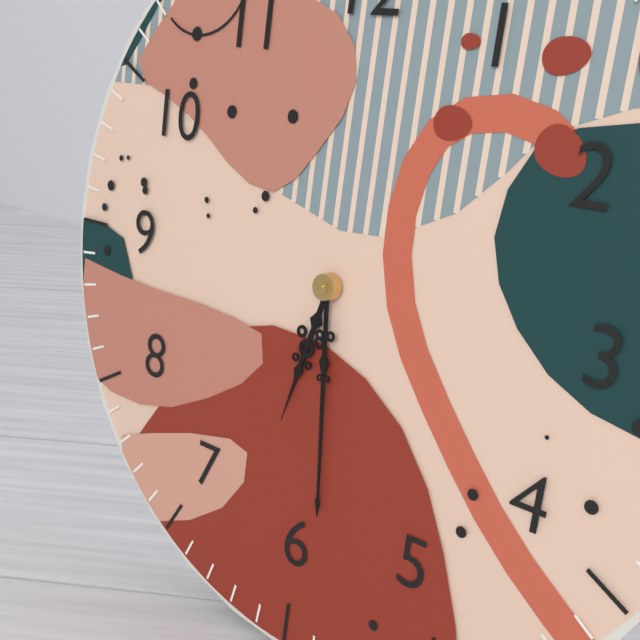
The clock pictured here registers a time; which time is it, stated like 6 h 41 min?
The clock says 6 h 29 min
